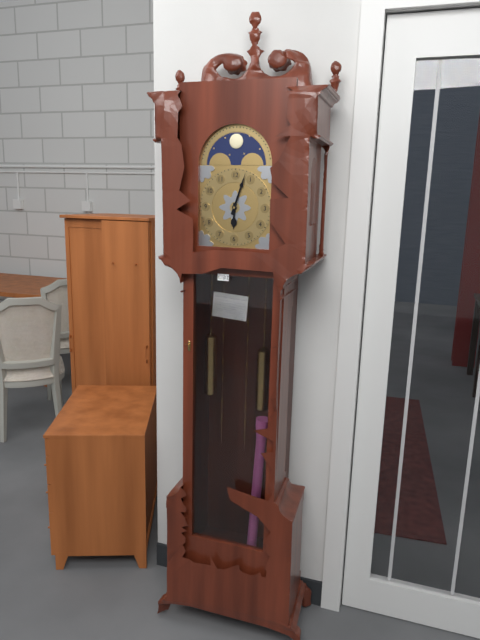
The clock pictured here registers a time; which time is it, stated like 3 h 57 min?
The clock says 6 h 03 min
